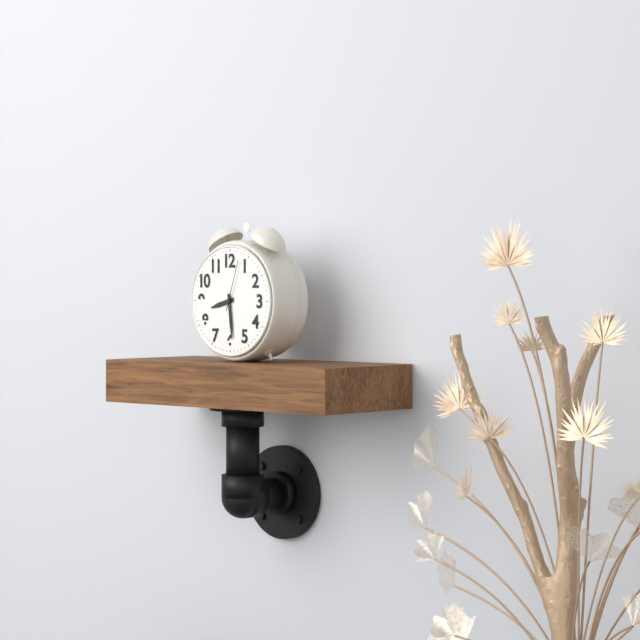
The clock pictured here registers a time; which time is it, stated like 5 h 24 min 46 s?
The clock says 8 h 29 min 03 s
